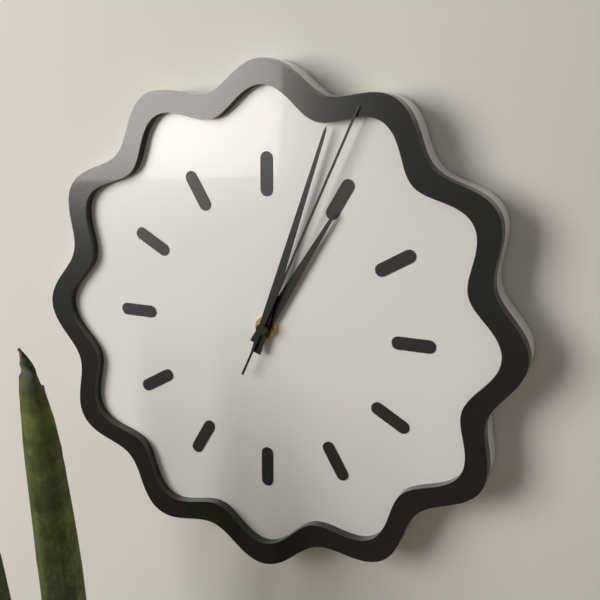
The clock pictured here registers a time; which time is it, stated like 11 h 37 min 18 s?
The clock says 1 h 03 min 04 s
